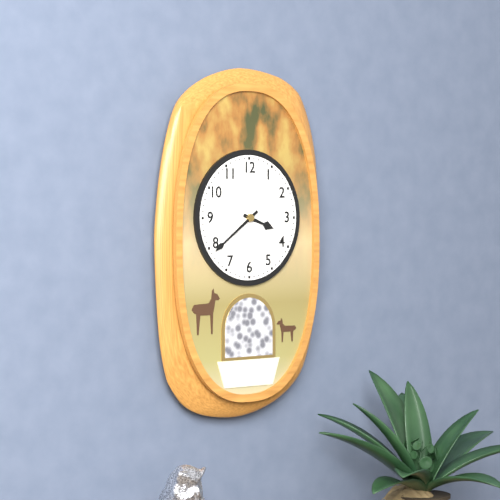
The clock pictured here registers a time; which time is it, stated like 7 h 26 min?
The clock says 3 h 39 min
